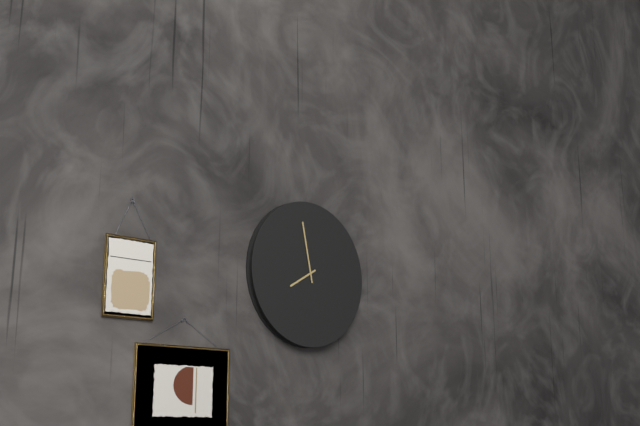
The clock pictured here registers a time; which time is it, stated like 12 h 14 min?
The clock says 7 h 58 min
